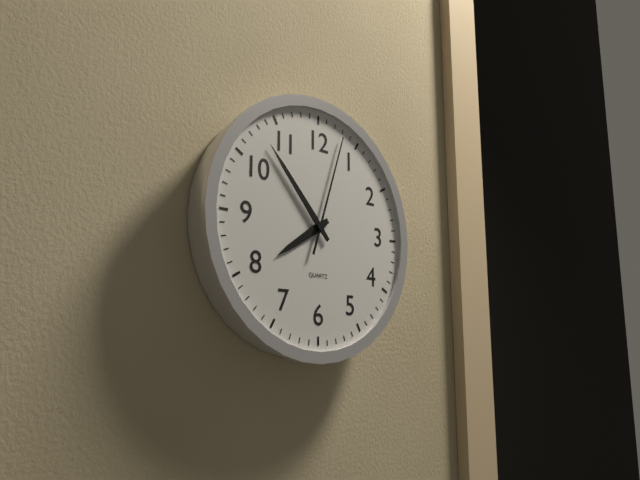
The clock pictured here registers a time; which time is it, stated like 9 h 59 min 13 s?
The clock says 7 h 53 min 03 s
